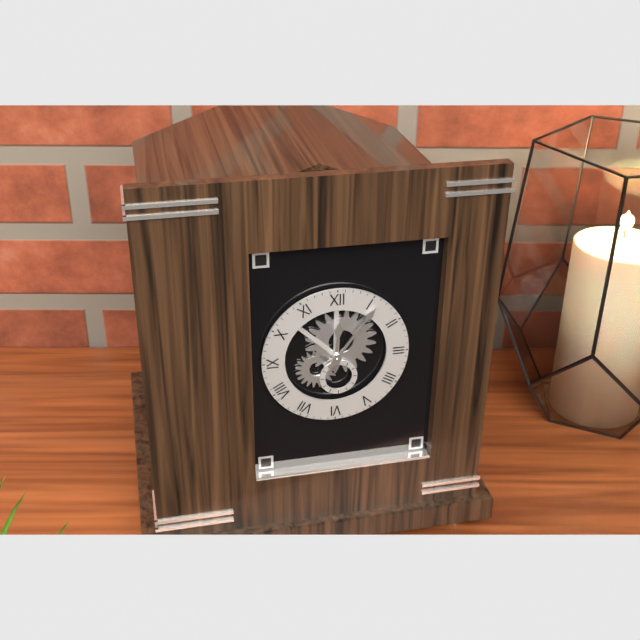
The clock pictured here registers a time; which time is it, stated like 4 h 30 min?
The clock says 12 h 06 min
